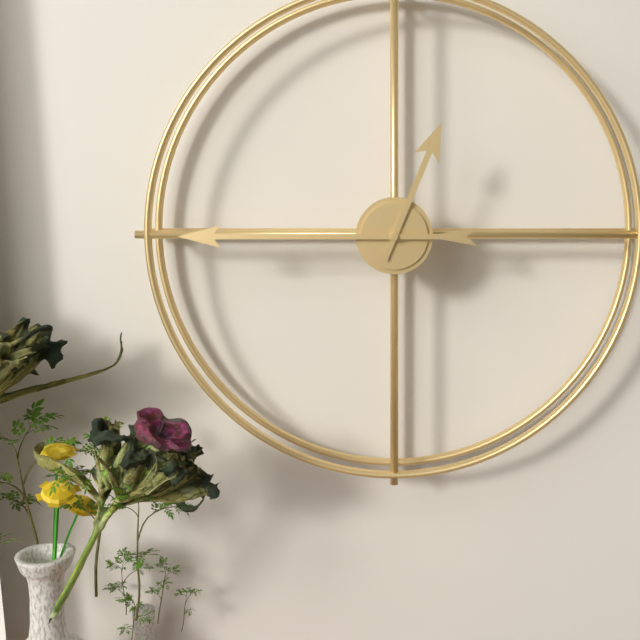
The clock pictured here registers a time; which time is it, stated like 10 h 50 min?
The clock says 12 h 45 min
